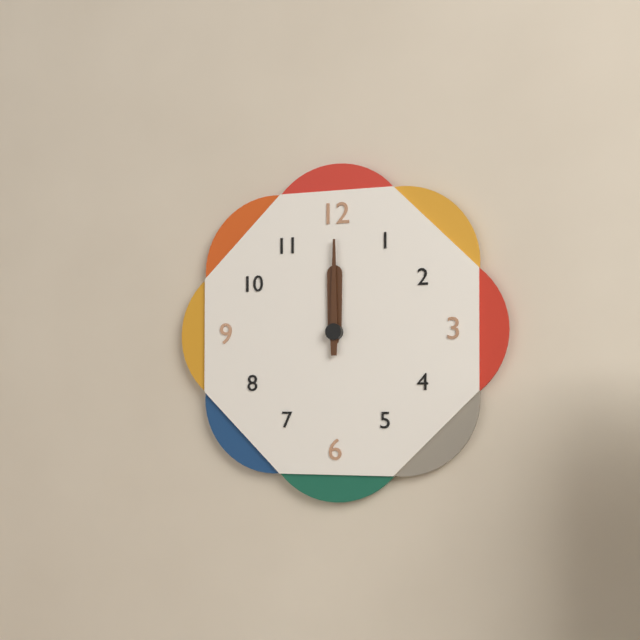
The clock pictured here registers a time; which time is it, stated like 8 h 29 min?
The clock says 12 h 00 min
